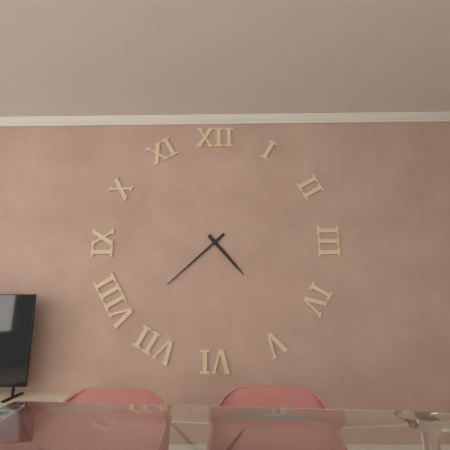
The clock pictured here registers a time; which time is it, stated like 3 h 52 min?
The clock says 4 h 38 min
